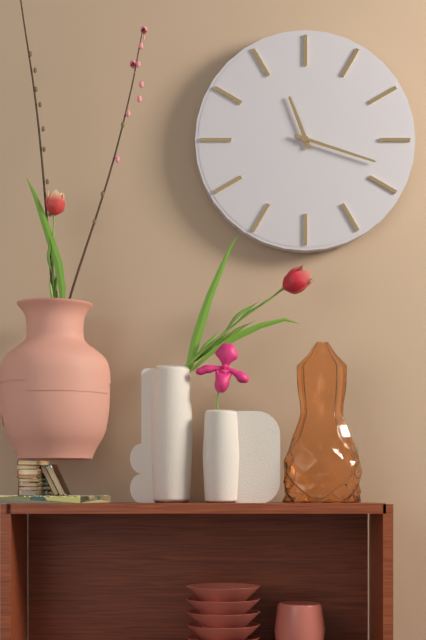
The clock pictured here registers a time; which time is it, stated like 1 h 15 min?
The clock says 11 h 18 min
